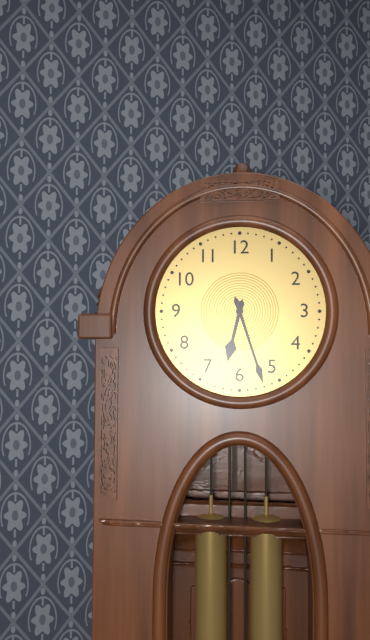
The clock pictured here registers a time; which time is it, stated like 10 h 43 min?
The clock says 6 h 27 min
